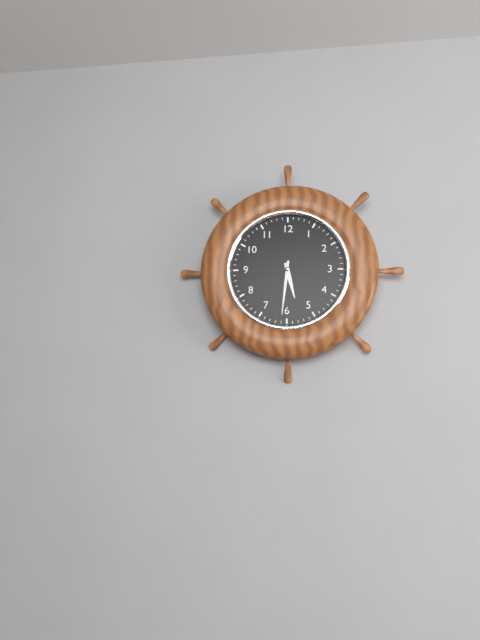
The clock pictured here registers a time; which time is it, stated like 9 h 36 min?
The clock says 5 h 31 min
